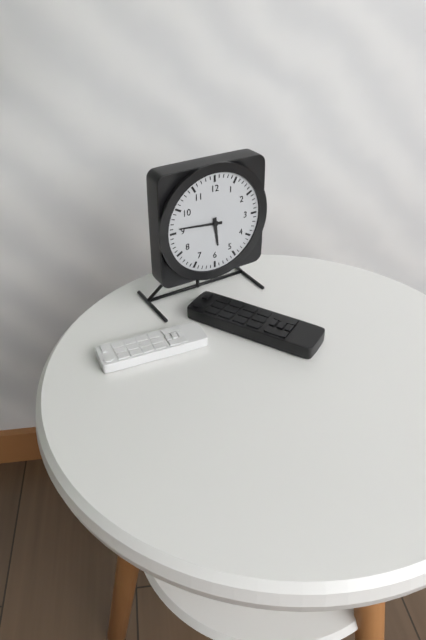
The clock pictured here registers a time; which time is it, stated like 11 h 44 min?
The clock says 5 h 46 min
